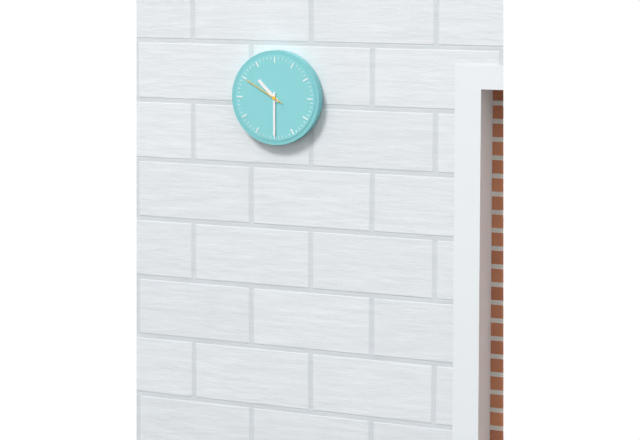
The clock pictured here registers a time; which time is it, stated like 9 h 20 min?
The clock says 10 h 30 min
